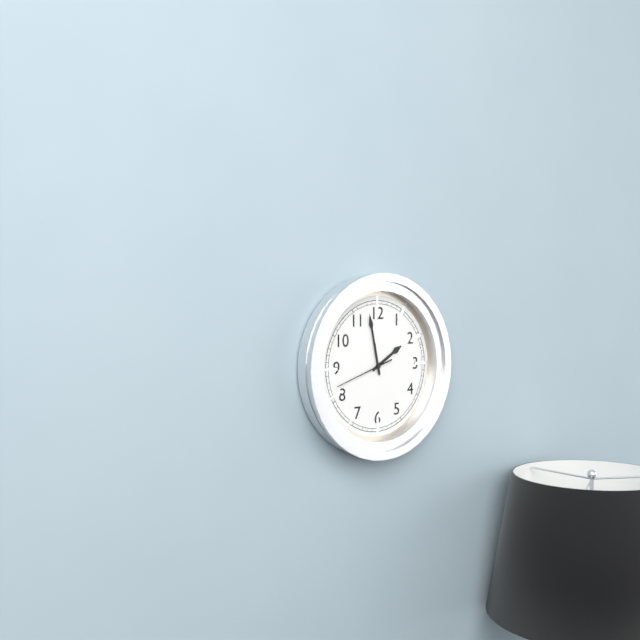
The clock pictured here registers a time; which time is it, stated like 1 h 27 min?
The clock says 1 h 58 min
